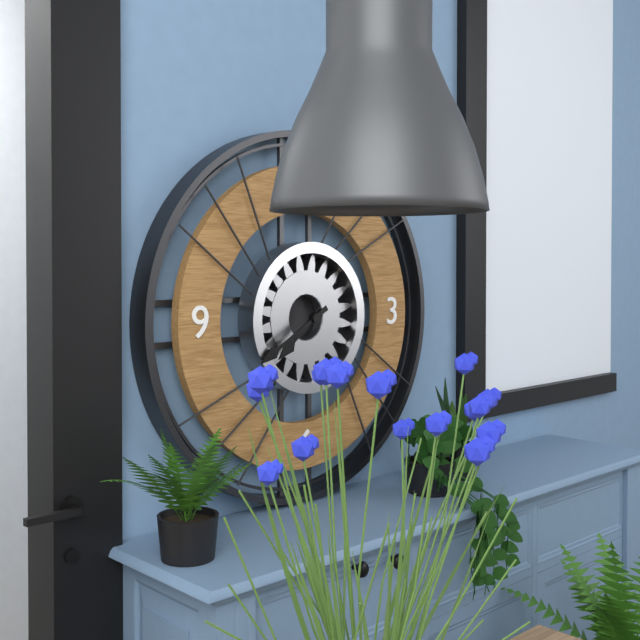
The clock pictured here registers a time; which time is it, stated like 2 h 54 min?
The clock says 7 h 40 min
